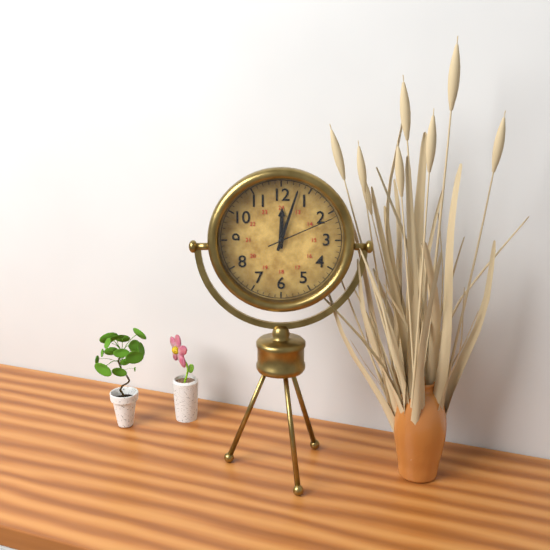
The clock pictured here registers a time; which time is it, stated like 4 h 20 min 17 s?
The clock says 12 h 03 min 11 s
